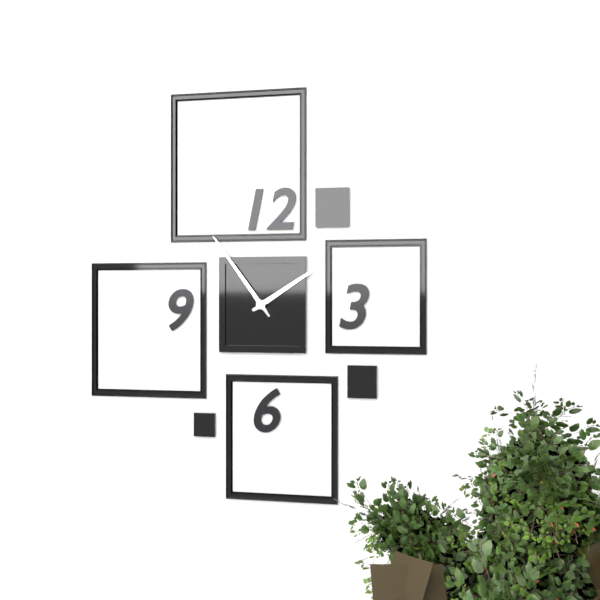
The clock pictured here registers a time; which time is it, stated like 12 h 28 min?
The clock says 1 h 54 min
